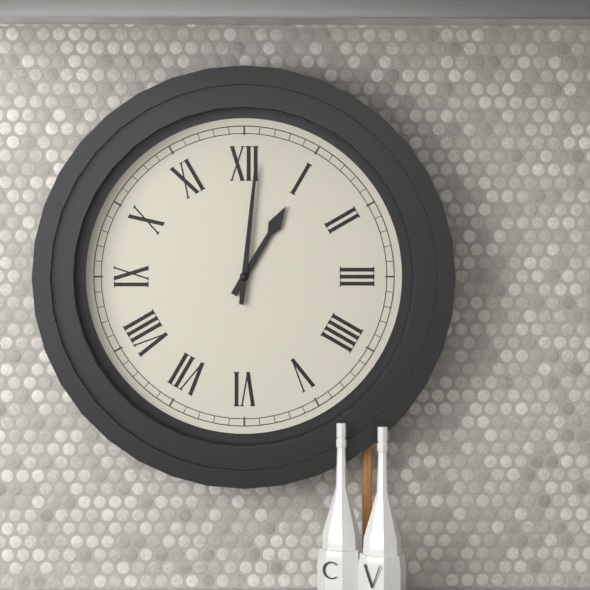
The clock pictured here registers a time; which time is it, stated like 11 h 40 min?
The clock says 1 h 01 min
